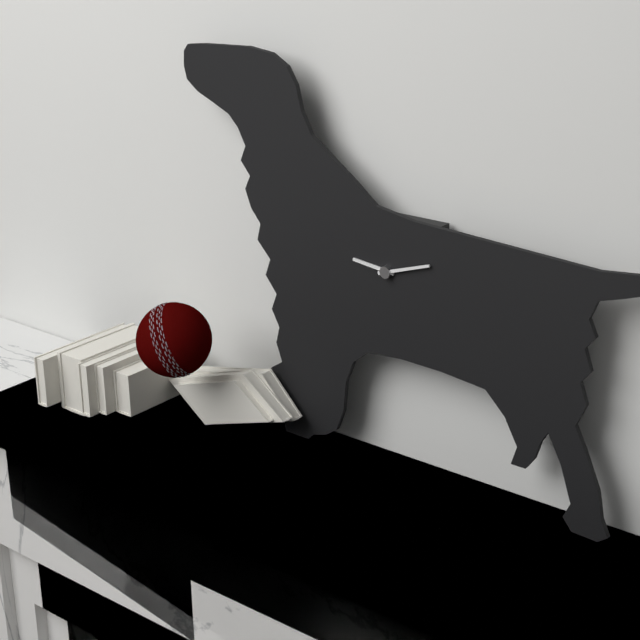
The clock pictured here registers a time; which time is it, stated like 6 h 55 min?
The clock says 9 h 12 min
